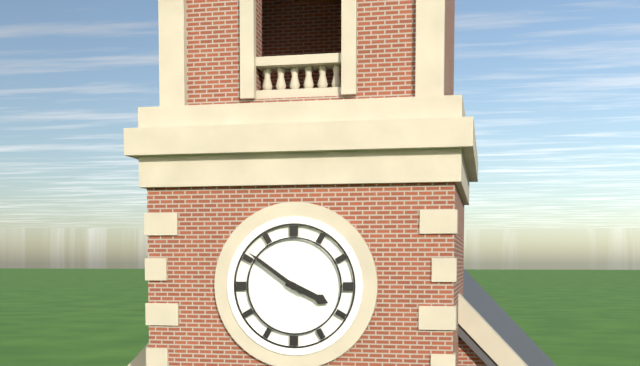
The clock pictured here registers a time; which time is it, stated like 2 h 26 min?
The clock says 3 h 51 min
